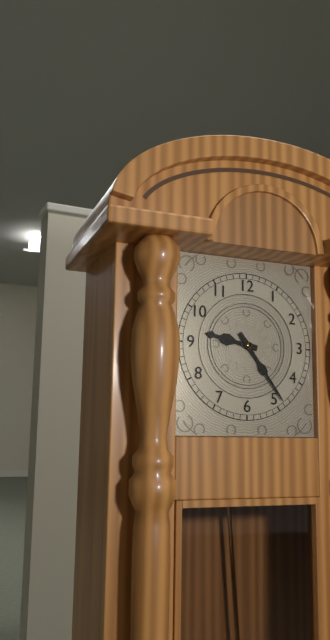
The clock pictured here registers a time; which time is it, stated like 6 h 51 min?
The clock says 9 h 24 min
